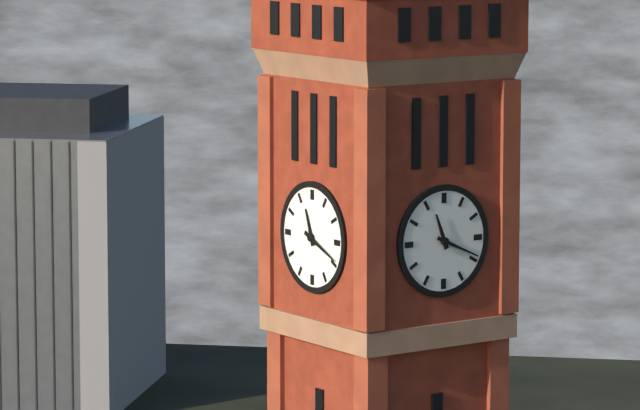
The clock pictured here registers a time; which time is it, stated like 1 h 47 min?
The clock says 11 h 19 min
